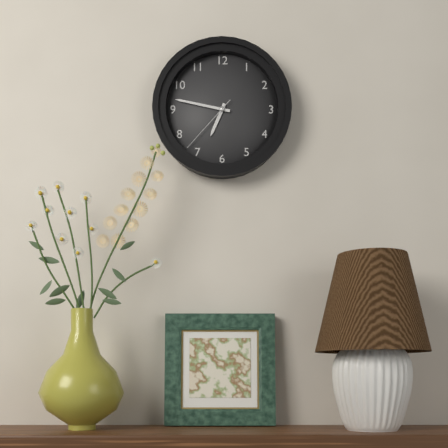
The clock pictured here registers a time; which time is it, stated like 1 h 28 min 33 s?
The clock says 6 h 47 min 37 s
